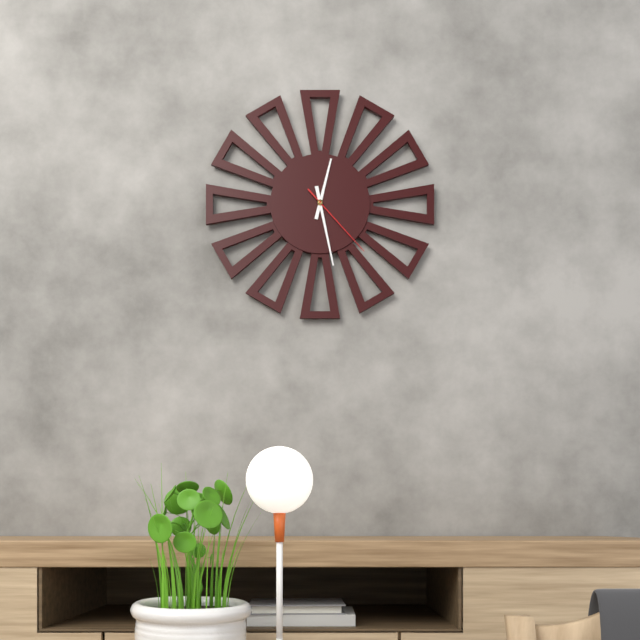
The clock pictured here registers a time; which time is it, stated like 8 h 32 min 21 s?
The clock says 12 h 28 min 23 s
